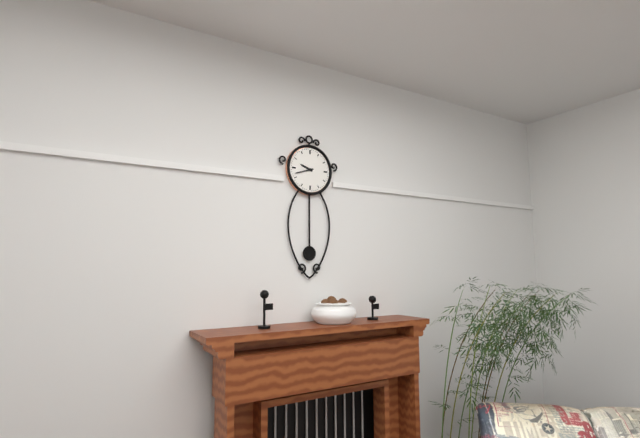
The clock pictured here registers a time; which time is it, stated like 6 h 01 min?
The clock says 9 h 42 min
